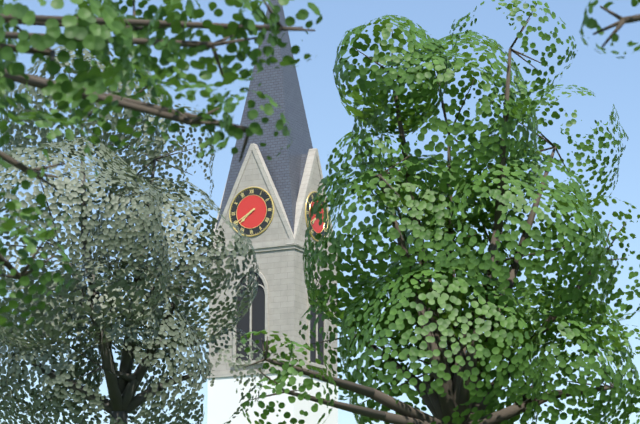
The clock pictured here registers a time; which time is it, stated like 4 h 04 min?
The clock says 7 h 40 min
